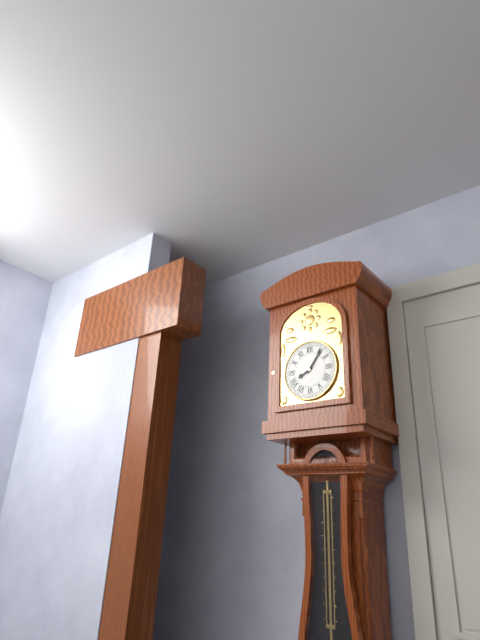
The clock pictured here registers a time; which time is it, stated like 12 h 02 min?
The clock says 8 h 06 min
